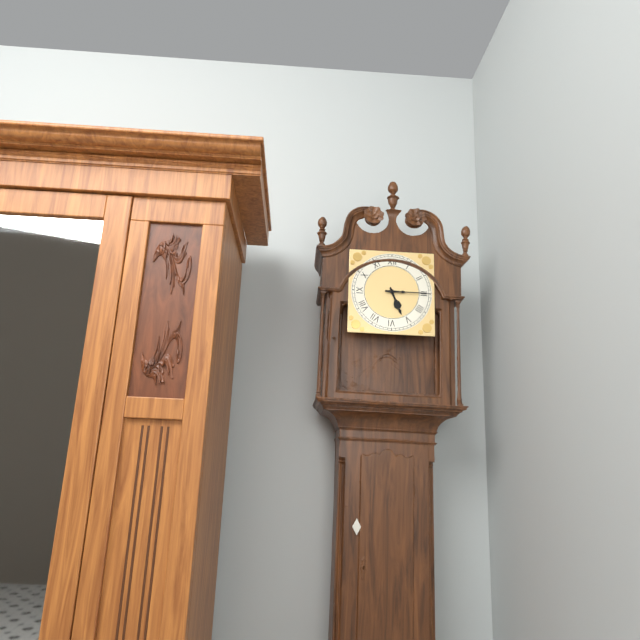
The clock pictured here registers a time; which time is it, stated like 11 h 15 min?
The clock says 5 h 15 min
